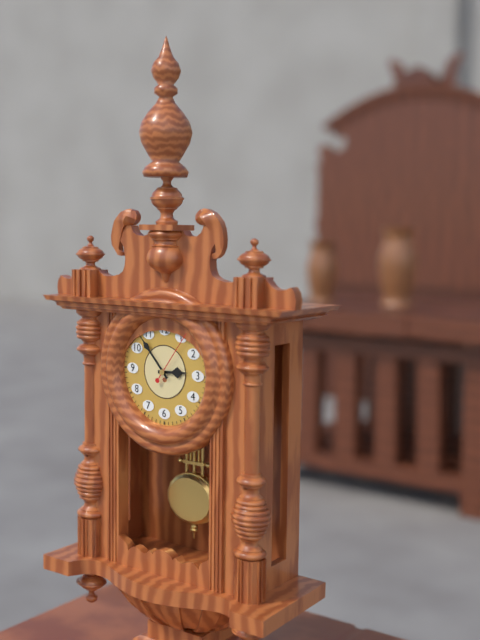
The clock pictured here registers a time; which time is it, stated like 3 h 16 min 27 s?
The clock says 2 h 53 min 06 s
